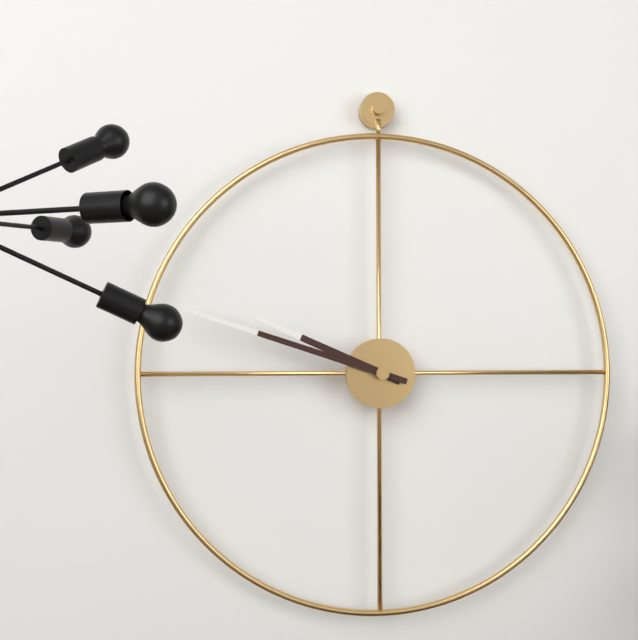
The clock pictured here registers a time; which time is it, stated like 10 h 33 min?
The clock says 9 h 48 min
